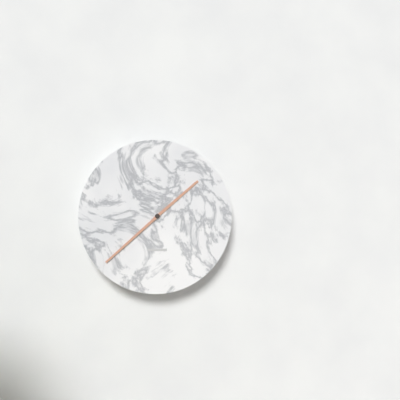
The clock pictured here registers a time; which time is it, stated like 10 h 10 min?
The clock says 1 h 38 min
